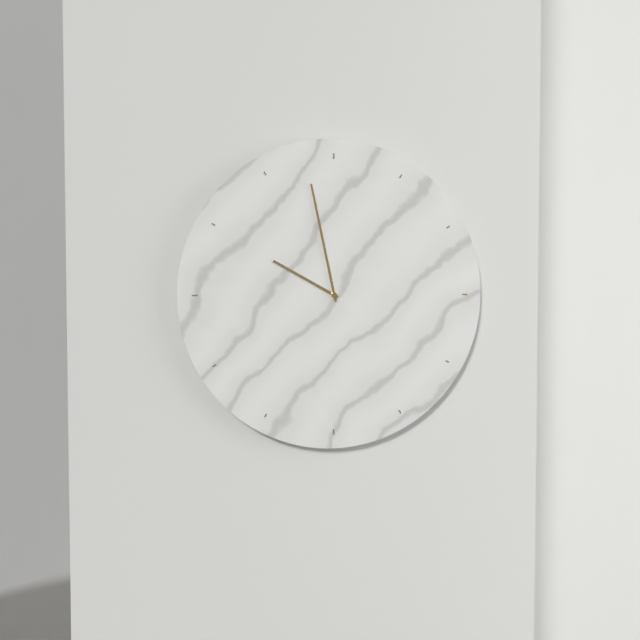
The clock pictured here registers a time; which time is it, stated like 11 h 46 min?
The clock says 9 h 58 min
